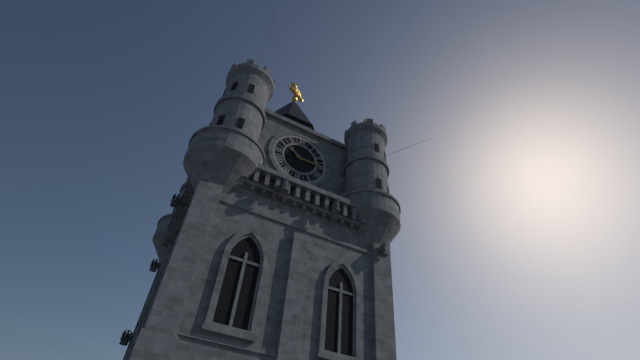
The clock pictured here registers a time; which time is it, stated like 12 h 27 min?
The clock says 10 h 15 min
